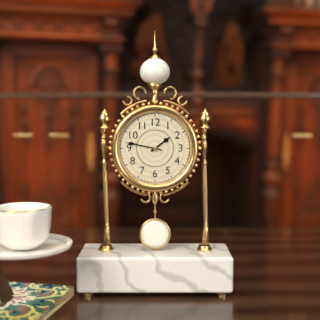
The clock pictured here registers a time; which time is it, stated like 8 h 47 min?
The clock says 1 h 47 min
